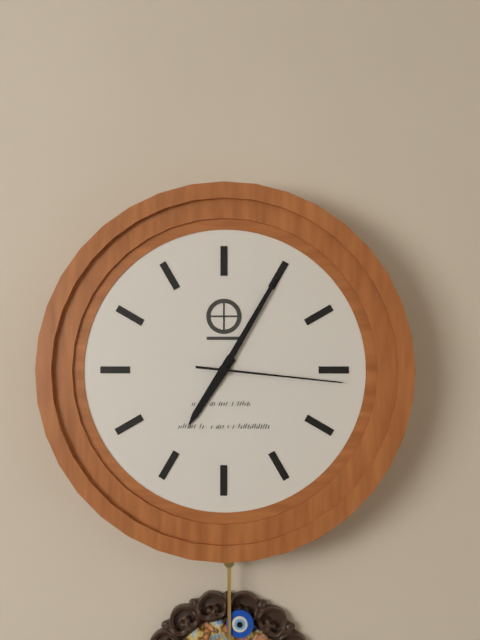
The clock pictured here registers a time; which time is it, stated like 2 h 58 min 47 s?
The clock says 7 h 05 min 16 s
